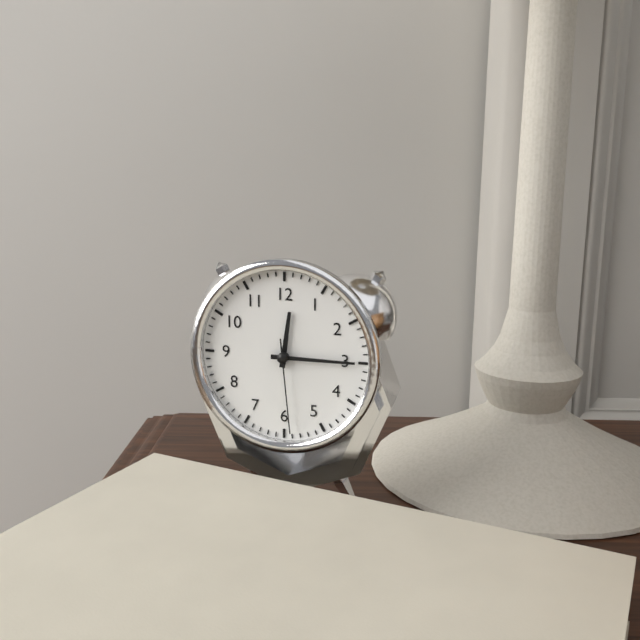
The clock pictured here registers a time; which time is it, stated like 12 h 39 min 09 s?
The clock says 12 h 15 min 29 s
